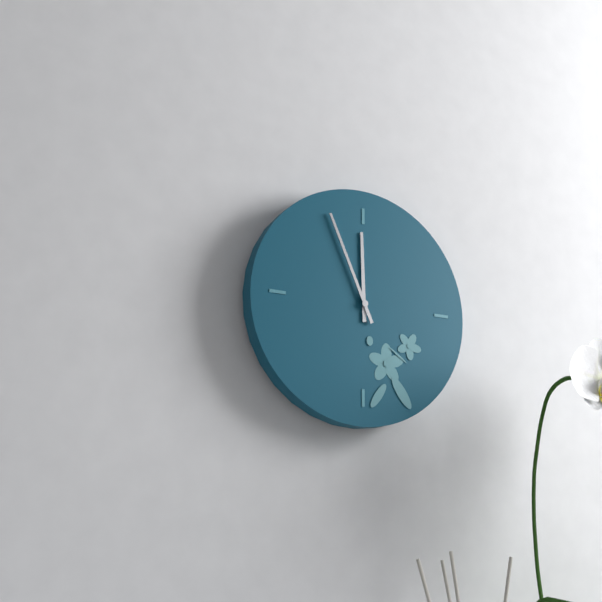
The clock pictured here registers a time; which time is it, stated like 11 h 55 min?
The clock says 11 h 56 min
